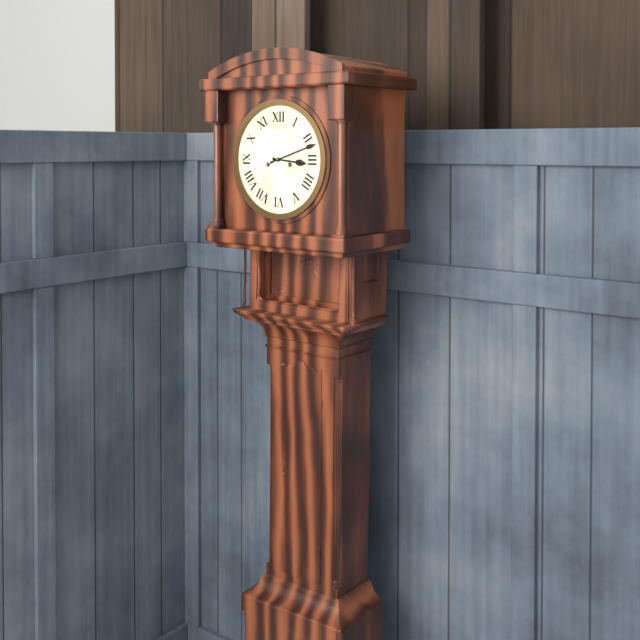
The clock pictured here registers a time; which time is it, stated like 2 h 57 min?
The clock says 3 h 12 min
